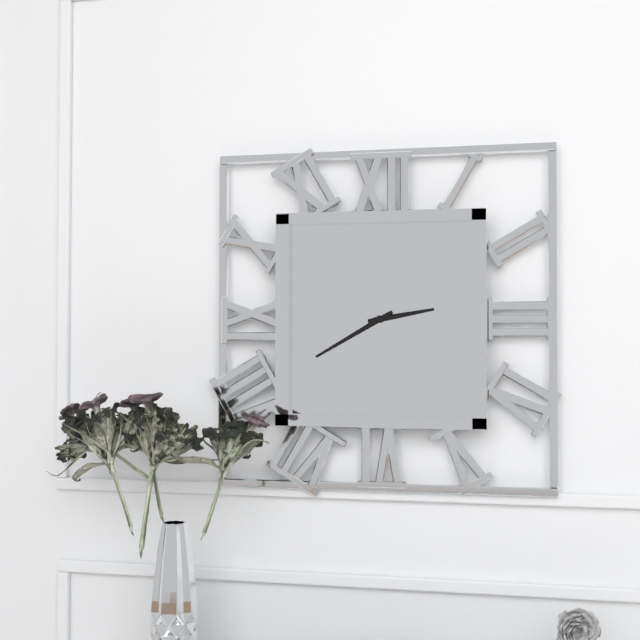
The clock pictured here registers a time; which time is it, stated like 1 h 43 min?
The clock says 2 h 40 min
